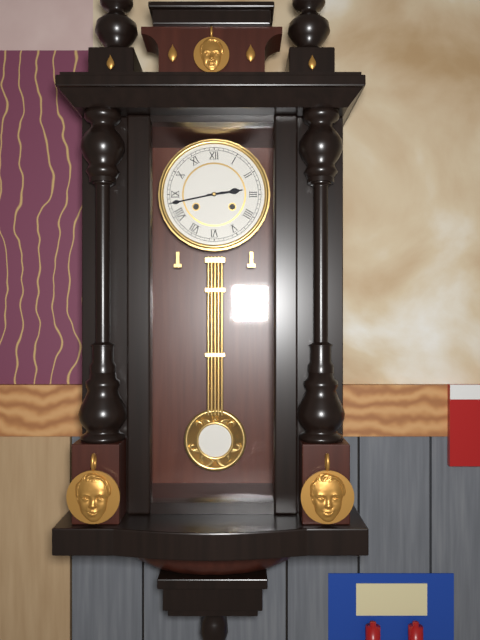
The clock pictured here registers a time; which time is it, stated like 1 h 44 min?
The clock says 2 h 43 min
